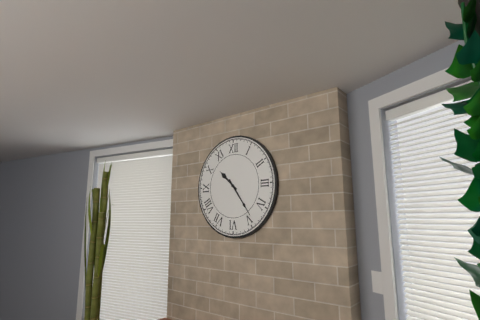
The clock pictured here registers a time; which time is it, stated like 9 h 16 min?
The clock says 10 h 24 min
